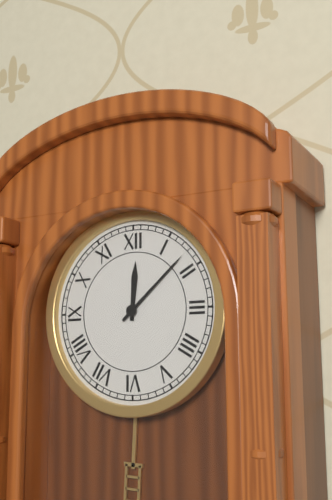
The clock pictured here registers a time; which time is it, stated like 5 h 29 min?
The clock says 12 h 08 min
